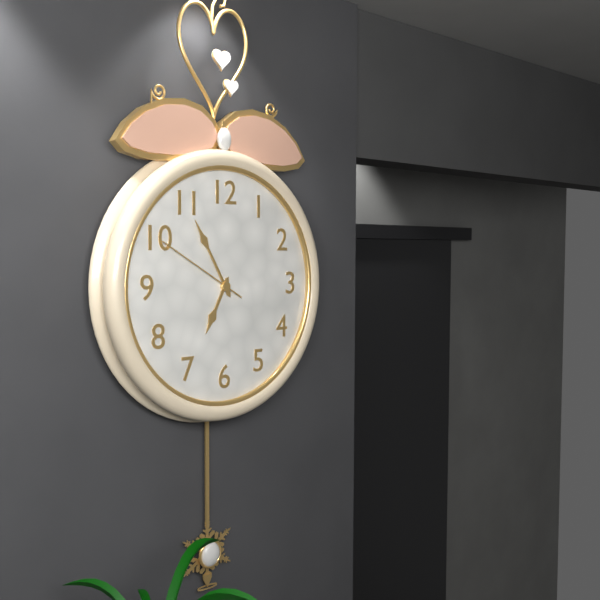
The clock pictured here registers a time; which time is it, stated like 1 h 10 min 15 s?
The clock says 6 h 55 min 50 s
